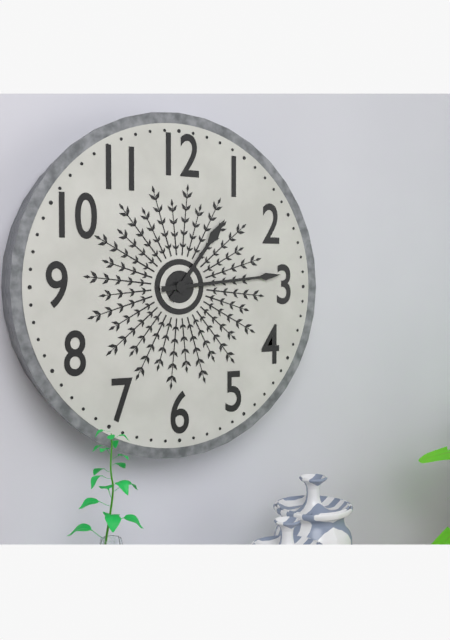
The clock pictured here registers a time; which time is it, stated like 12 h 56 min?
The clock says 1 h 14 min
